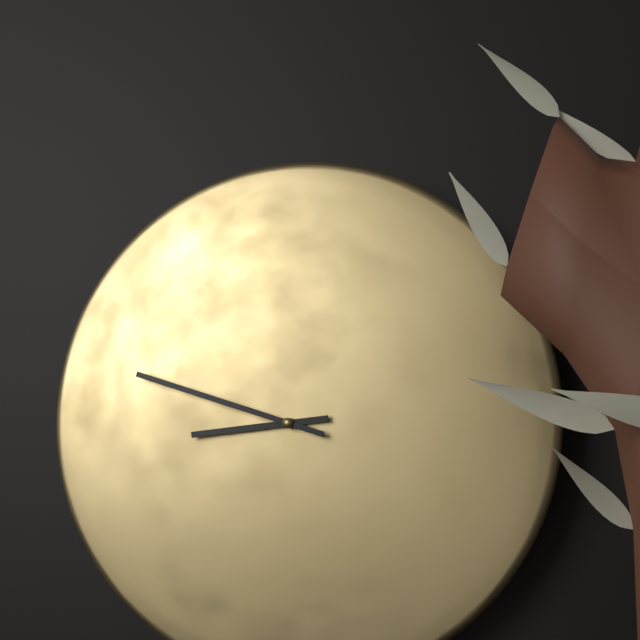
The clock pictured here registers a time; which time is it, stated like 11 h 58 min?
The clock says 8 h 48 min
